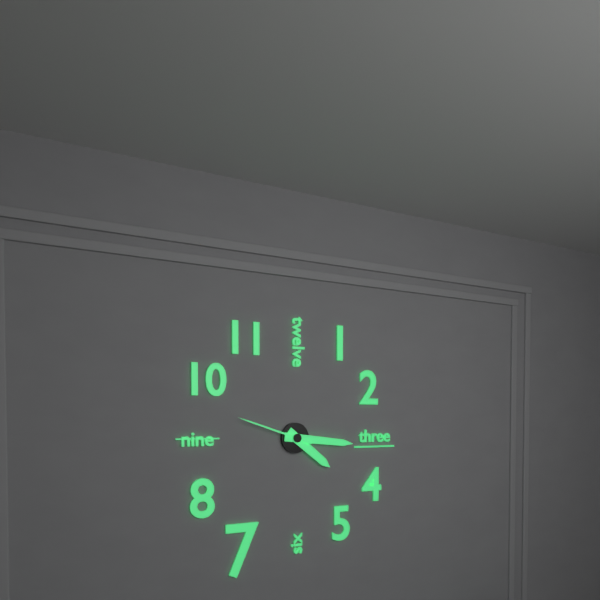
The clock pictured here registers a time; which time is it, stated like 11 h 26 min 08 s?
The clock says 4 h 16 min 48 s
